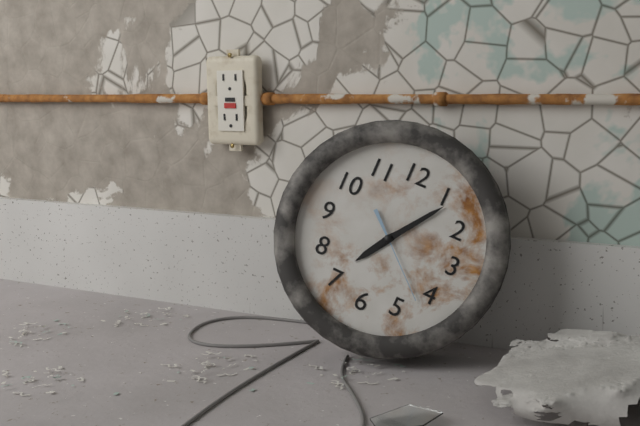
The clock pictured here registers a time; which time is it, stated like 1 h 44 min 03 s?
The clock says 7 h 06 min 22 s
